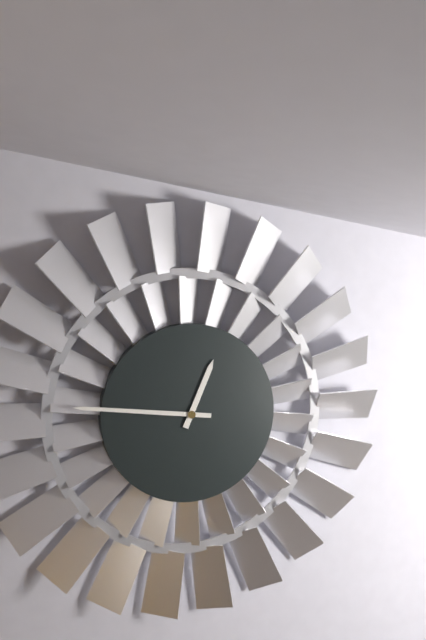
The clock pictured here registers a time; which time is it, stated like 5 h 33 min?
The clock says 12 h 46 min
